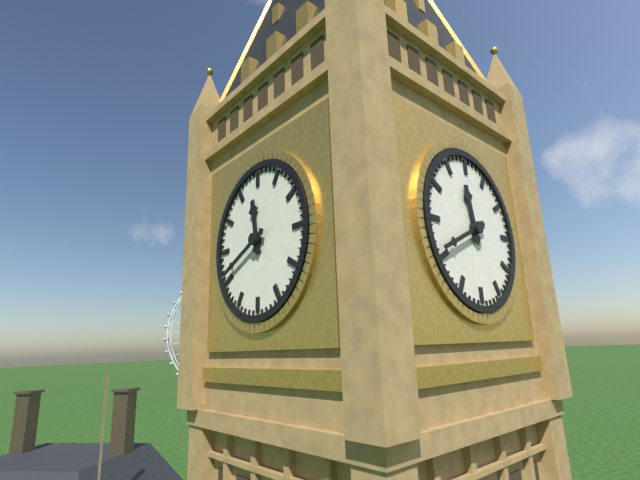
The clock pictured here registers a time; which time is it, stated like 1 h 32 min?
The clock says 11 h 41 min
